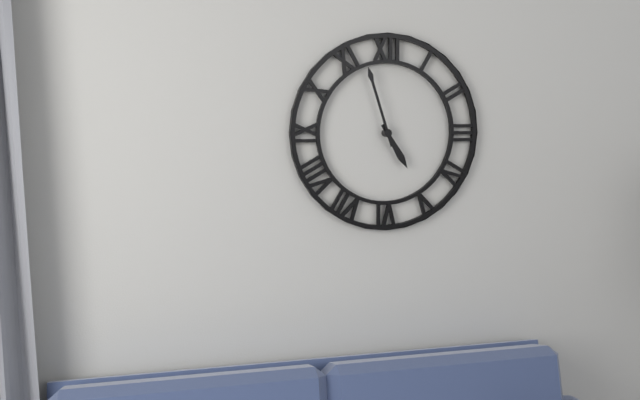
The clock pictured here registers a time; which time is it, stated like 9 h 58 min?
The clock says 4 h 57 min
